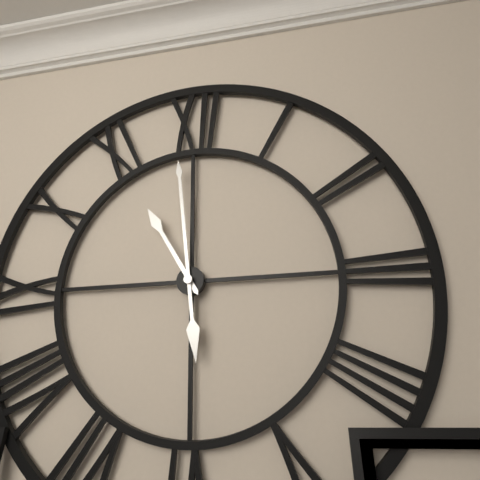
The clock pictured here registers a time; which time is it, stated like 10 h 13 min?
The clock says 10 h 59 min
